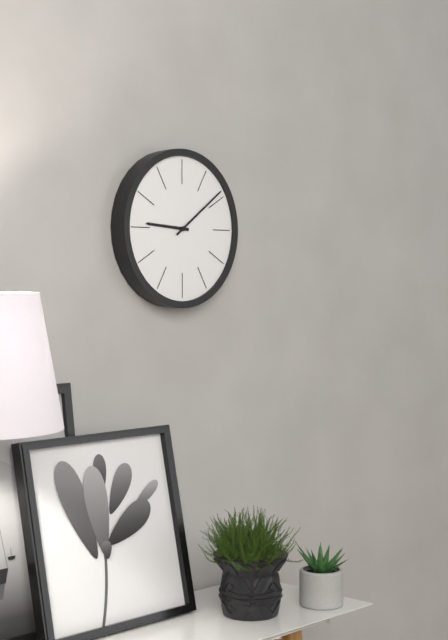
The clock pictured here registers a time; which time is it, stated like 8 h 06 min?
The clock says 9 h 09 min
